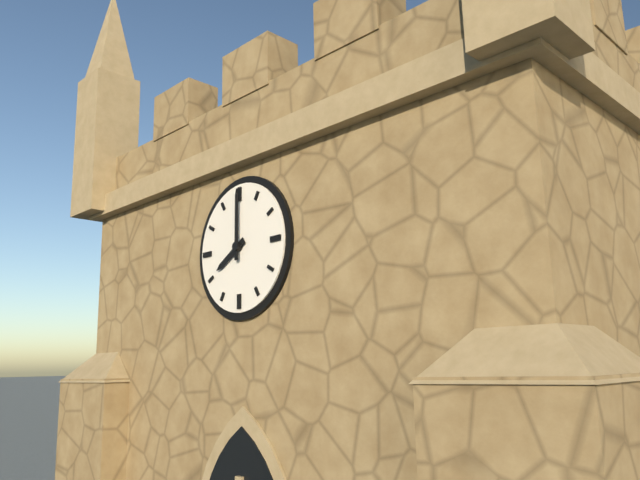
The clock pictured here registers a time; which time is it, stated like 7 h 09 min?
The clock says 8 h 00 min
